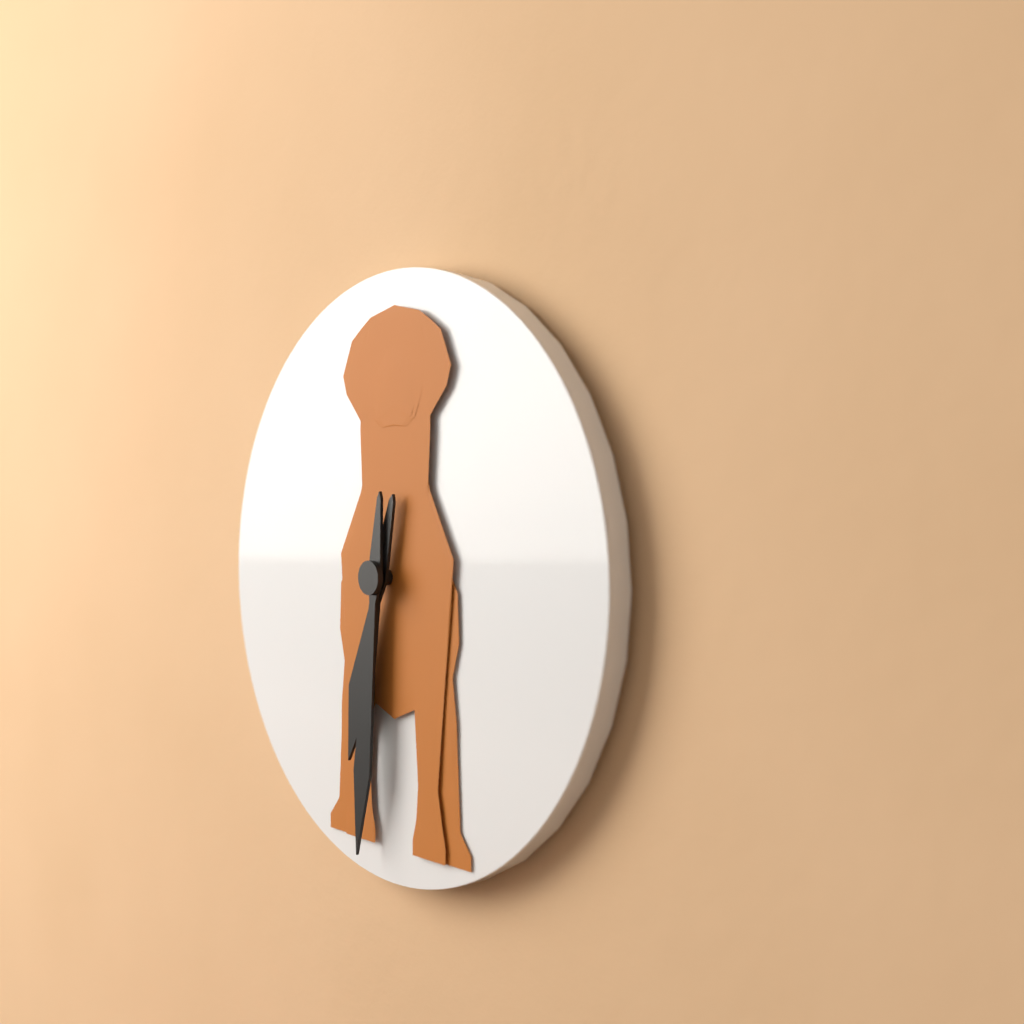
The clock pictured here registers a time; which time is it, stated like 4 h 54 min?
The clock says 6 h 31 min
